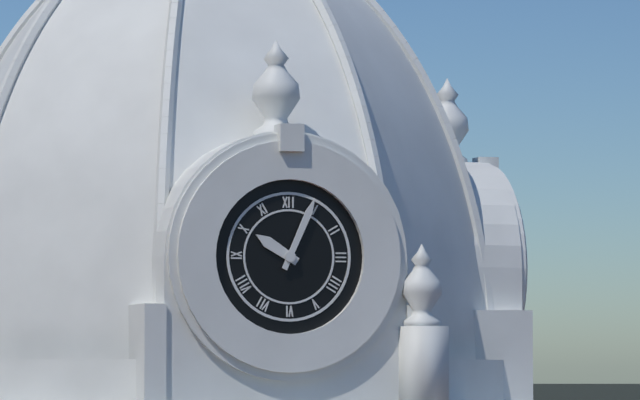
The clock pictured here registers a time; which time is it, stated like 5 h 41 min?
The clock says 10 h 04 min
